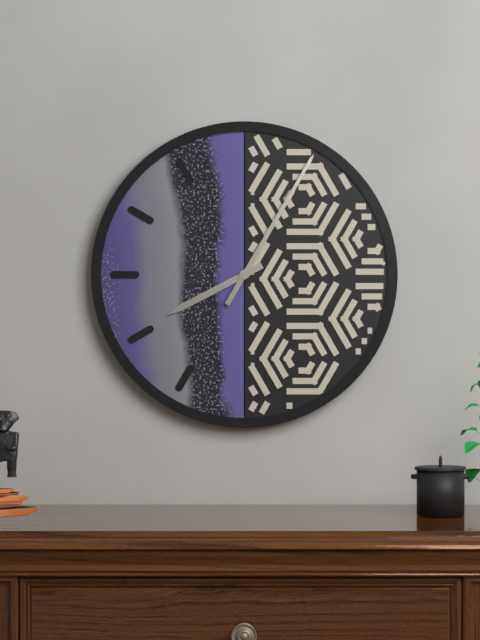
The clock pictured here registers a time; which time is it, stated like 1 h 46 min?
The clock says 8 h 05 min
